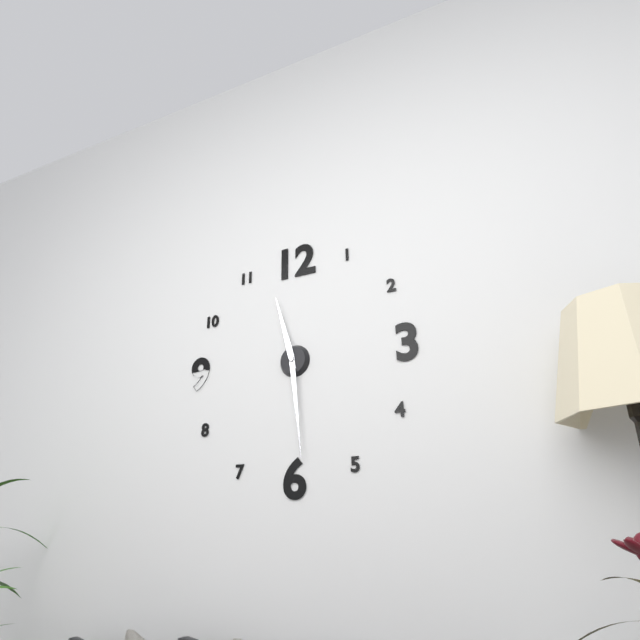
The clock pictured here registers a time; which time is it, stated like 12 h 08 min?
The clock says 11 h 29 min
